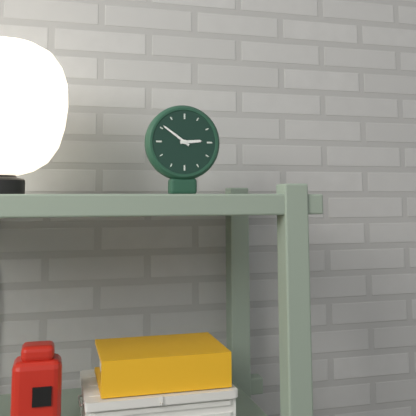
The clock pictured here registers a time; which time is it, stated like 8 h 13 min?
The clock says 2 h 51 min
